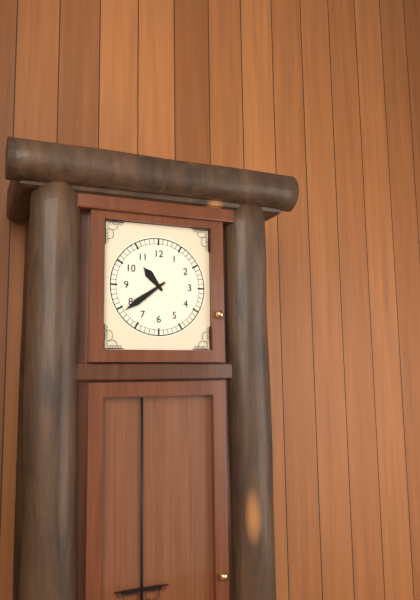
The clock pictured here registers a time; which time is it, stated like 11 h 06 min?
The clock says 10 h 39 min
